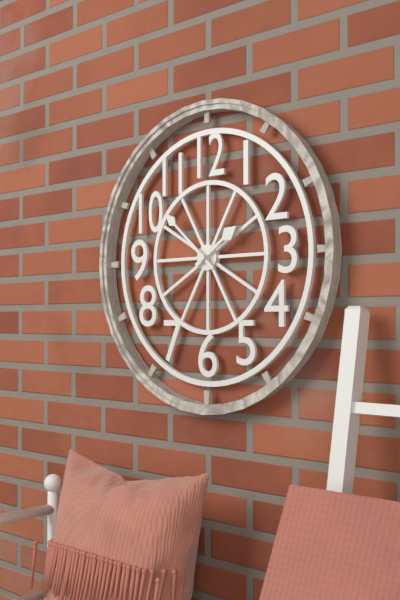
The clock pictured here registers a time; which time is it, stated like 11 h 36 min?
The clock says 1 h 52 min
